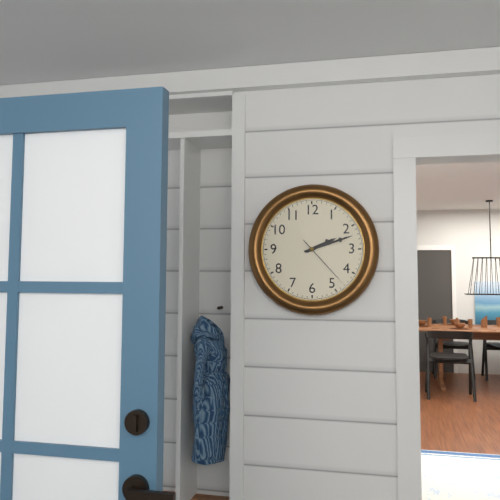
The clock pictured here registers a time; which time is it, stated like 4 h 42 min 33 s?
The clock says 2 h 12 min 23 s
